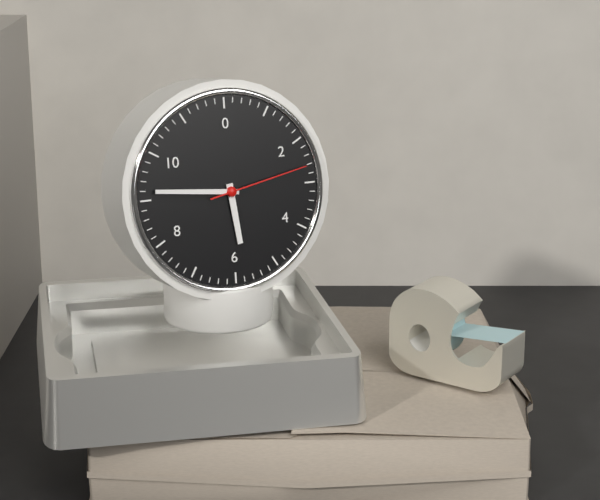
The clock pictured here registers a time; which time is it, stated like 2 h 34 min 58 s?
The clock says 5 h 46 min 13 s
